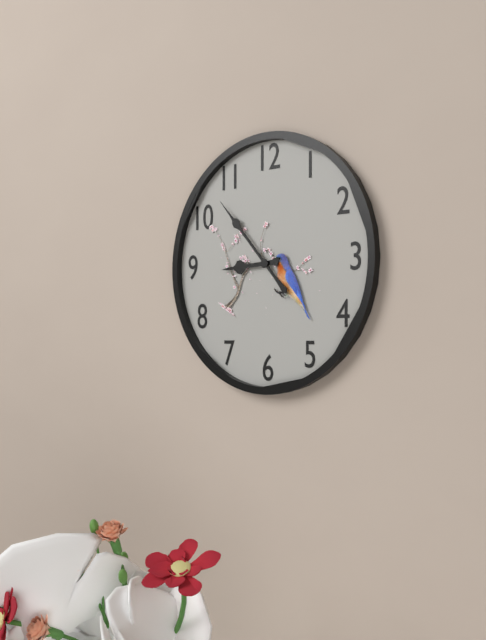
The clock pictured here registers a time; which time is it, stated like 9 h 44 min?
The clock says 8 h 53 min
